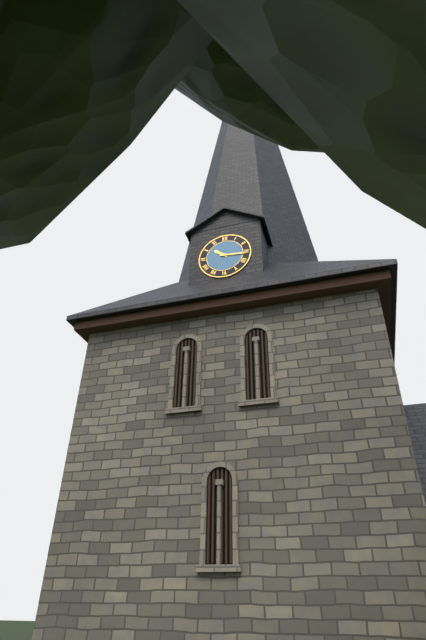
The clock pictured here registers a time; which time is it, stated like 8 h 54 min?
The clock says 10 h 16 min
